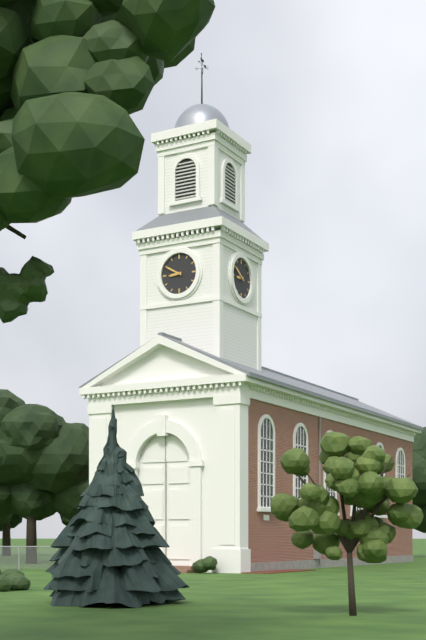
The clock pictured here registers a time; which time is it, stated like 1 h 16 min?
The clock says 8 h 50 min
